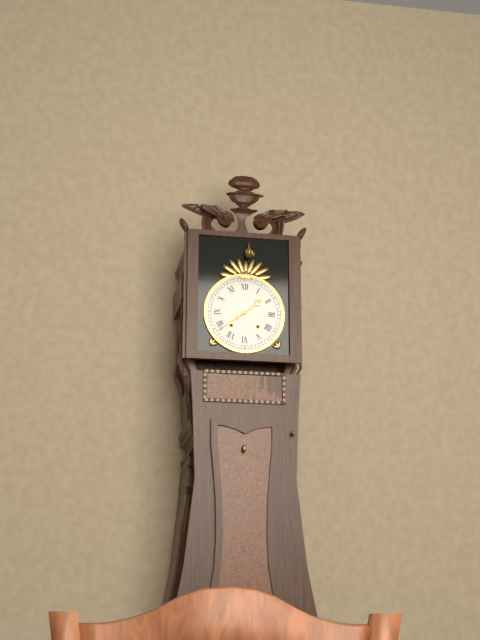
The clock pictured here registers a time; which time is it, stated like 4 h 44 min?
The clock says 1 h 39 min
